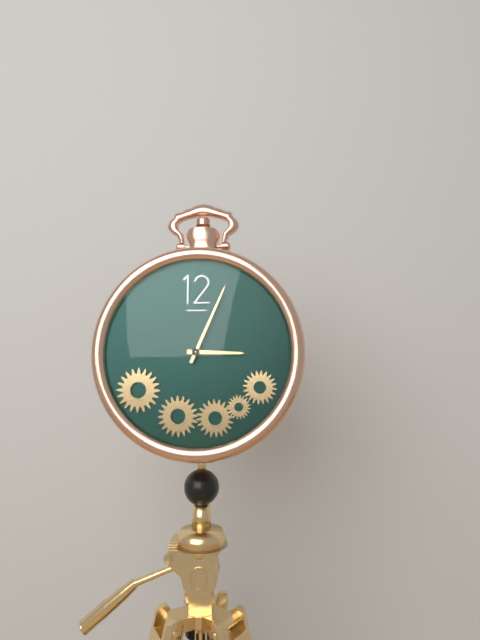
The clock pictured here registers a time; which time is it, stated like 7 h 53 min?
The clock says 3 h 04 min
